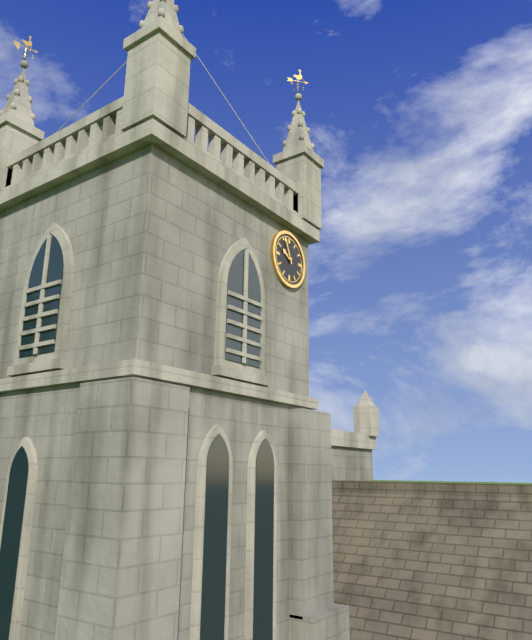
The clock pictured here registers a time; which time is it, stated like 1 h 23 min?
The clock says 9 h 56 min
